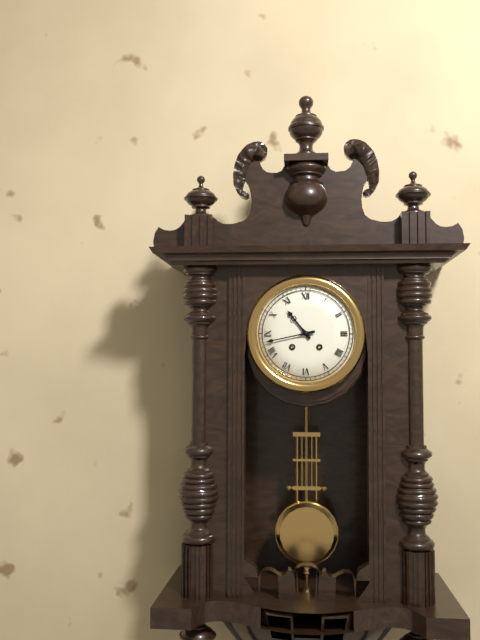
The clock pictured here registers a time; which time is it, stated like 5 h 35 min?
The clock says 10 h 43 min
